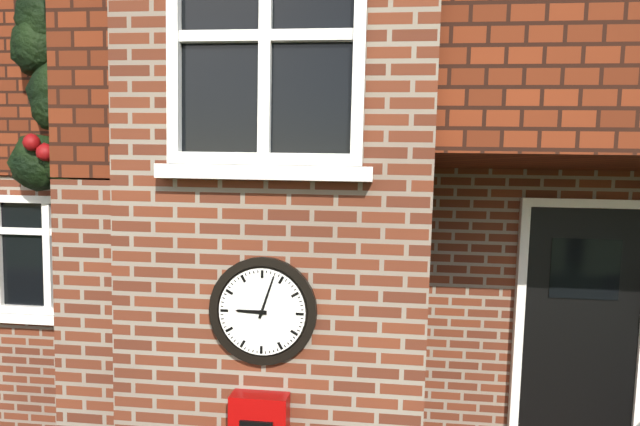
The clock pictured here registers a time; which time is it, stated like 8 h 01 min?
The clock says 9 h 03 min
